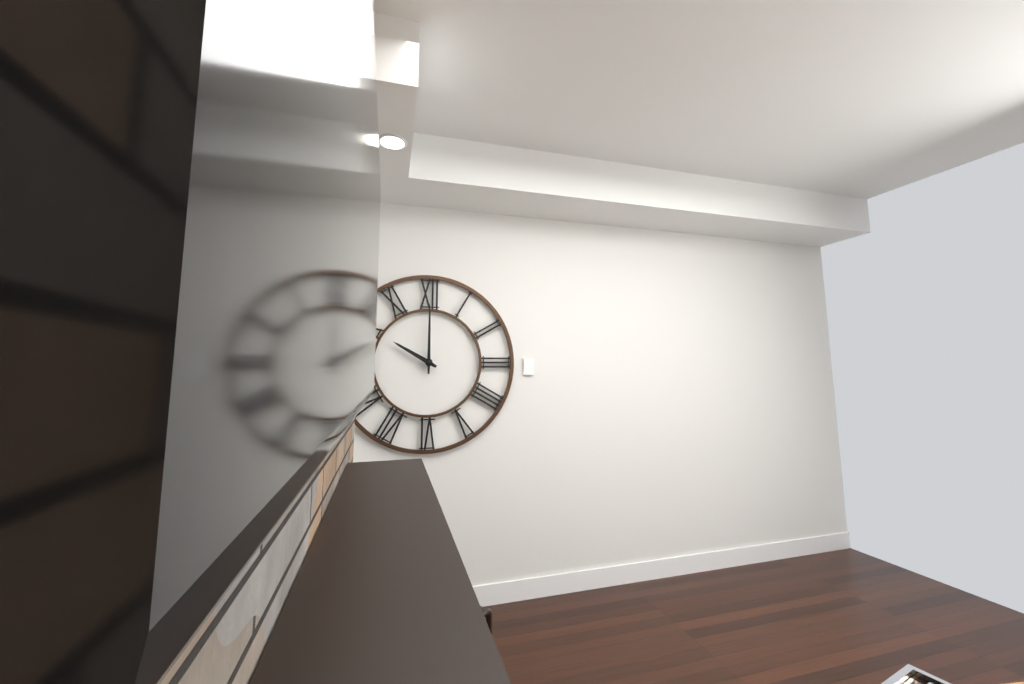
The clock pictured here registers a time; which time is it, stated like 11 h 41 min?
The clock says 10 h 00 min
